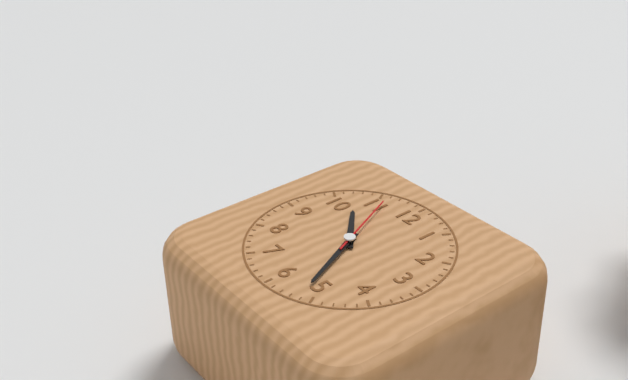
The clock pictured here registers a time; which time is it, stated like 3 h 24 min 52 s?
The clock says 10 h 26 min 56 s
